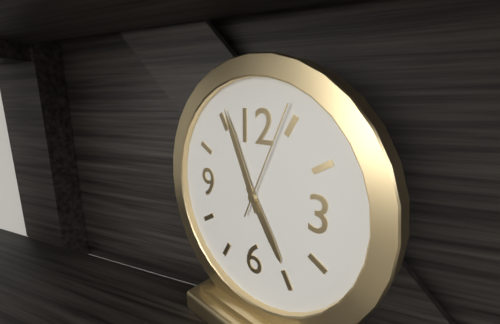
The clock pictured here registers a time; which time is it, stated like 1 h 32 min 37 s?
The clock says 4 h 56 min 04 s
